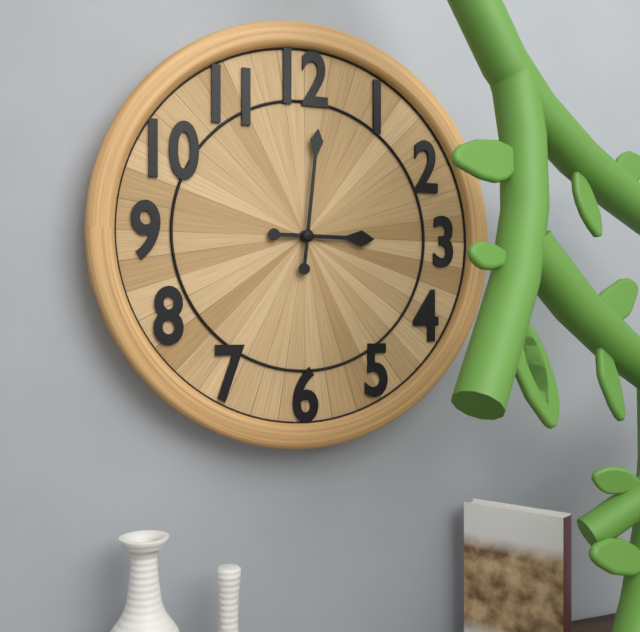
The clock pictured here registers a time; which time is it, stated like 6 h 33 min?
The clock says 3 h 01 min
